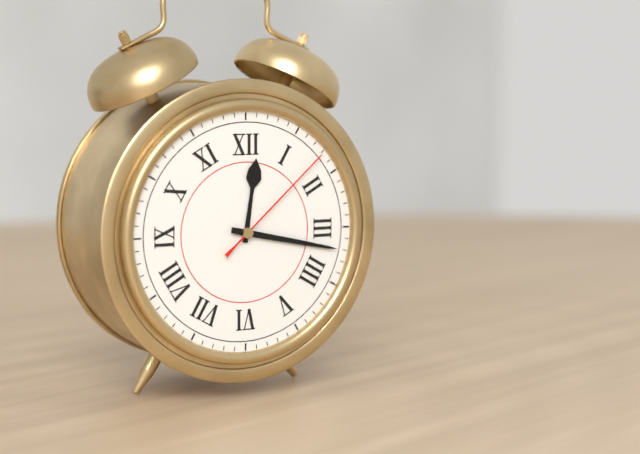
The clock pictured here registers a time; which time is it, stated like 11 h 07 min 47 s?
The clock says 12 h 17 min 08 s
